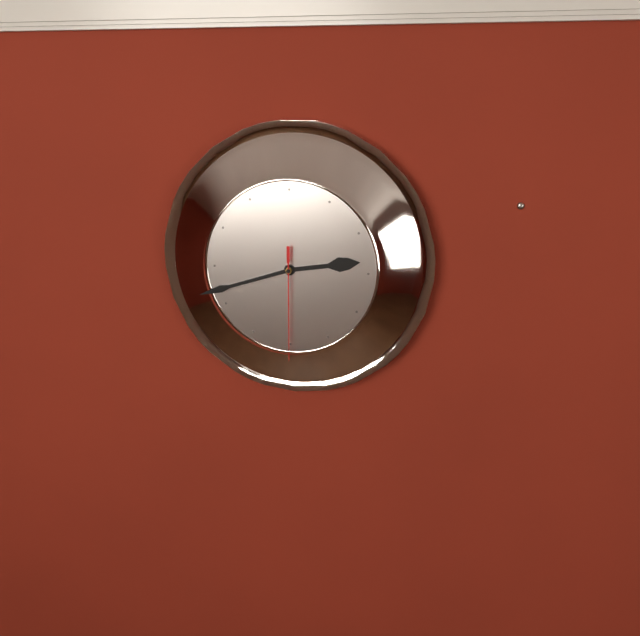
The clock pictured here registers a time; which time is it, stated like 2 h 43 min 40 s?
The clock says 2 h 42 min 30 s
